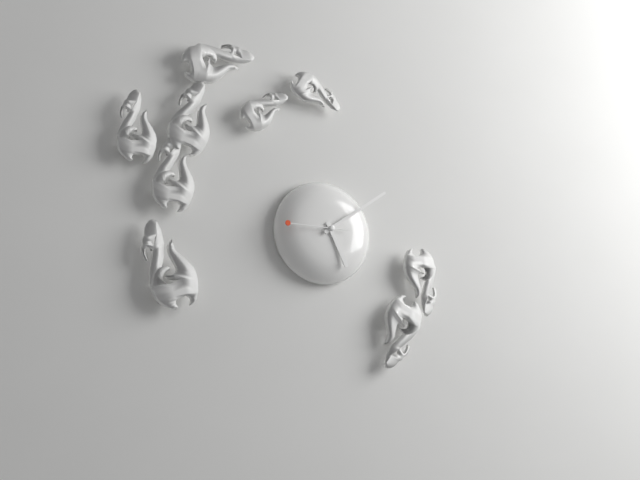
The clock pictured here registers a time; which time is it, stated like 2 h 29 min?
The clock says 5 h 09 min
